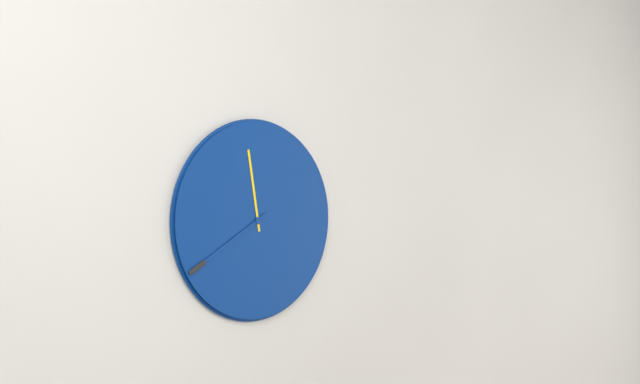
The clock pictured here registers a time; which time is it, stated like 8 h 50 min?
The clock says 11 h 40 min
